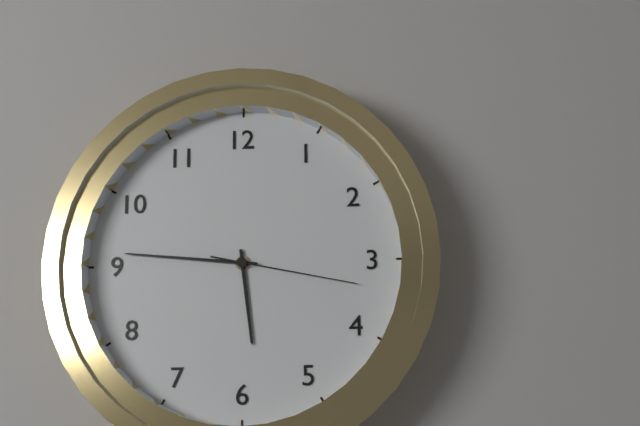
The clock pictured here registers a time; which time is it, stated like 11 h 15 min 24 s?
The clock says 5 h 46 min 17 s
